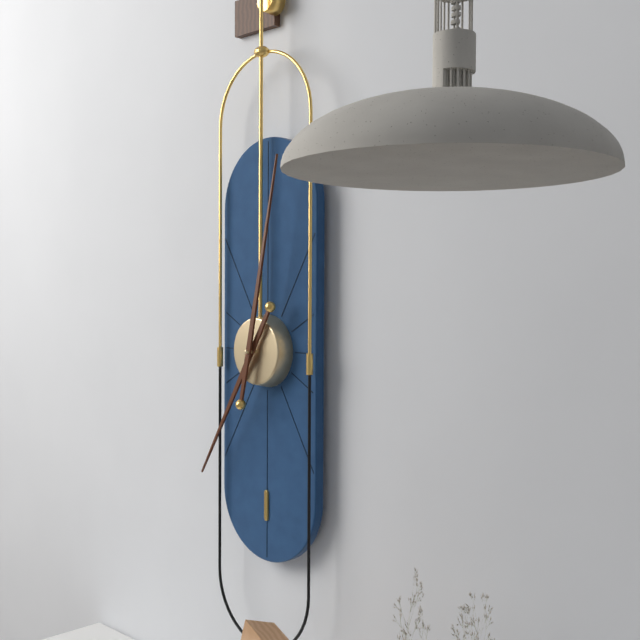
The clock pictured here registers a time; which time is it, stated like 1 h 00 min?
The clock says 7 h 02 min
